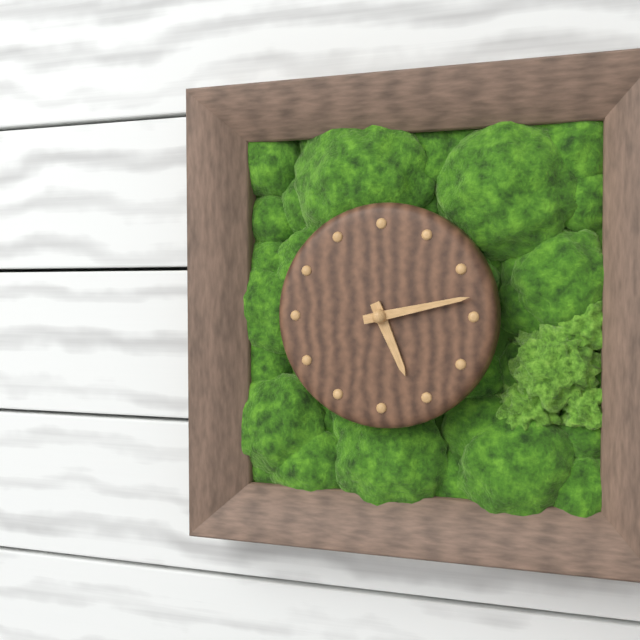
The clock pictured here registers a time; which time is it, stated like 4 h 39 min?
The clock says 5 h 13 min
